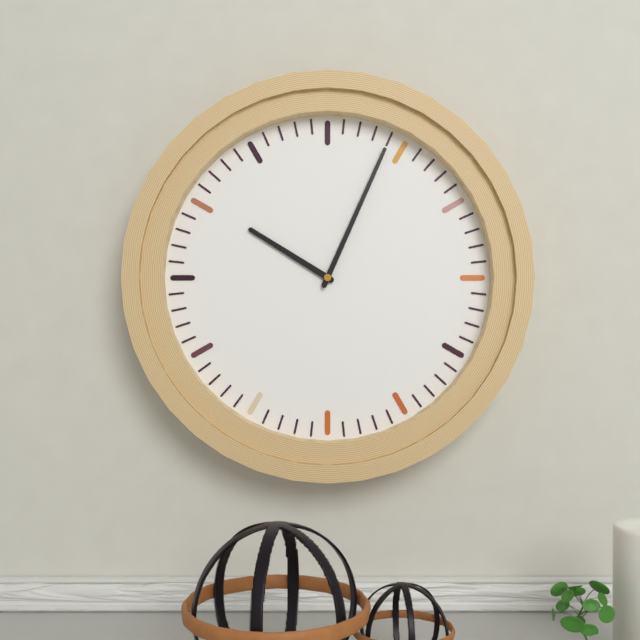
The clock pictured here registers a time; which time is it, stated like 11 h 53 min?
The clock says 10 h 04 min
